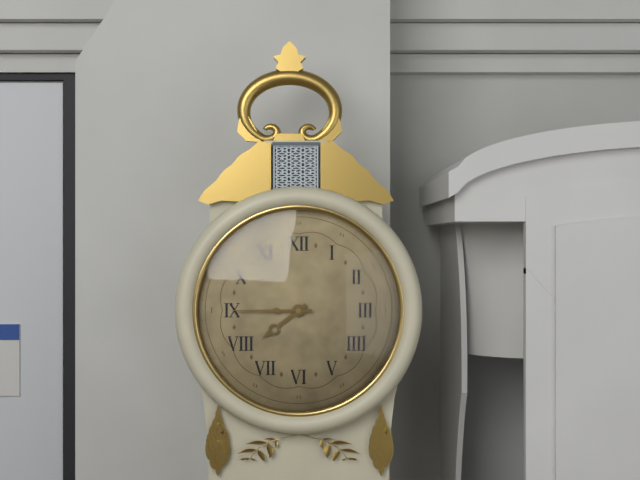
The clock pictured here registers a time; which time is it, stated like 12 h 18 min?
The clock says 7 h 45 min
